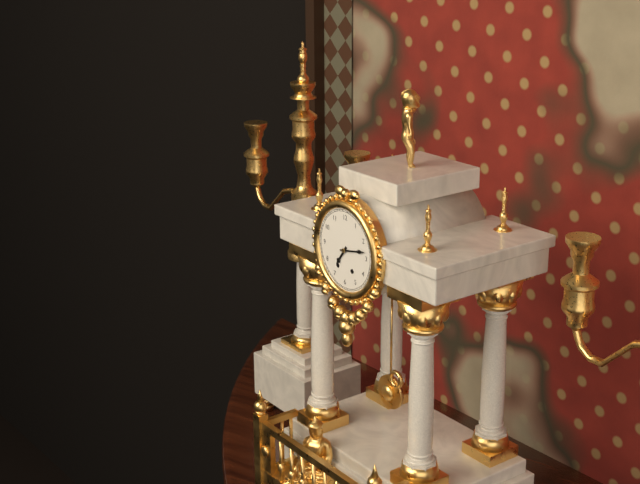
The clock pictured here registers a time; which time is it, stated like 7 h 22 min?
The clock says 7 h 13 min
